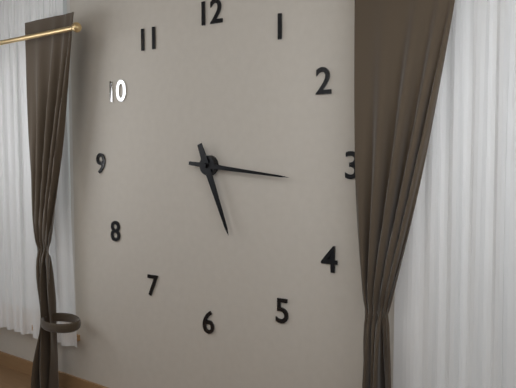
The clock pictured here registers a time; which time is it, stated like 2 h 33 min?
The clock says 5 h 16 min
